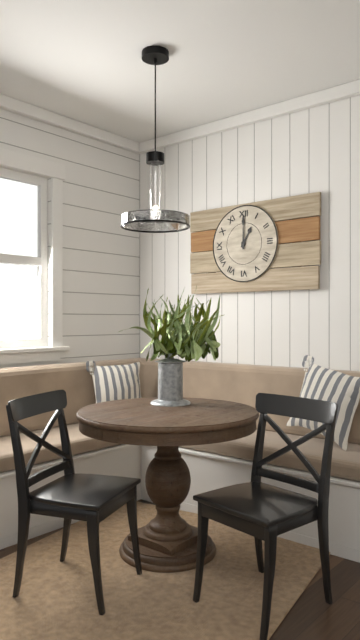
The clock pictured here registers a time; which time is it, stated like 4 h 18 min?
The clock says 1 h 00 min
